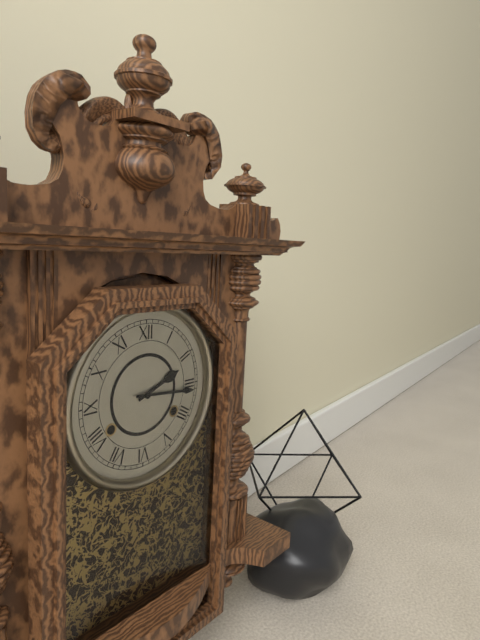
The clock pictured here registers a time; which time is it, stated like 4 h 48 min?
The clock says 2 h 16 min
